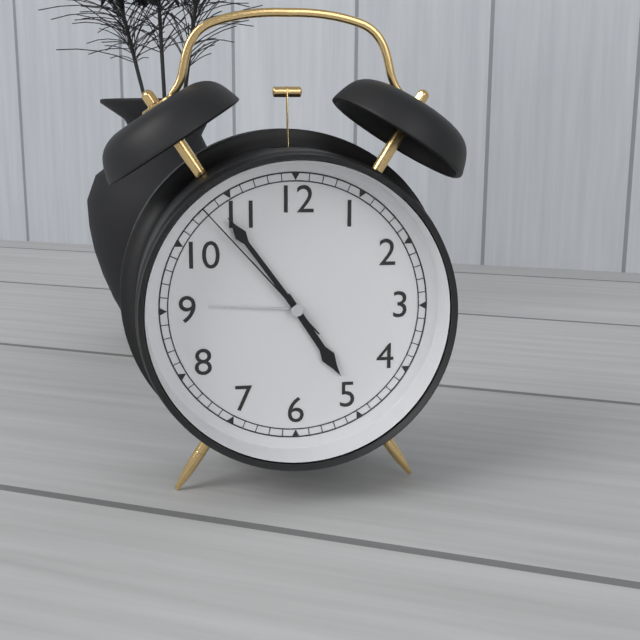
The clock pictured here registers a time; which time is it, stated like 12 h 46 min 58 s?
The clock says 4 h 54 min 53 s
